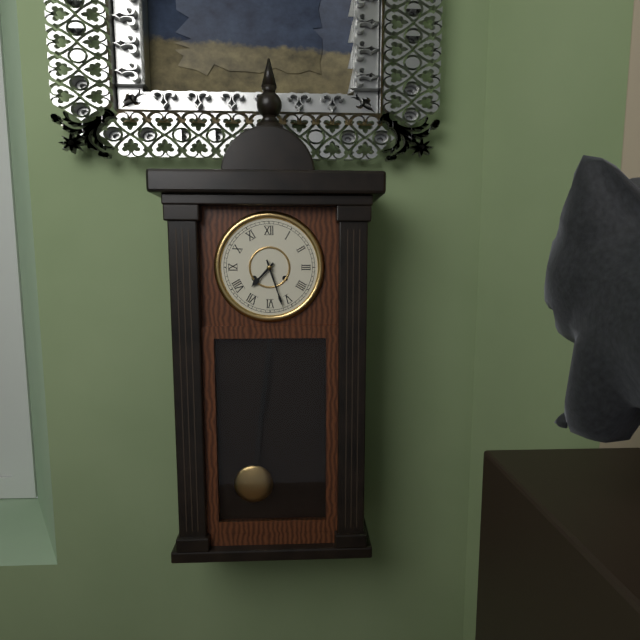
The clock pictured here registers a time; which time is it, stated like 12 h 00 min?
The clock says 7 h 27 min
